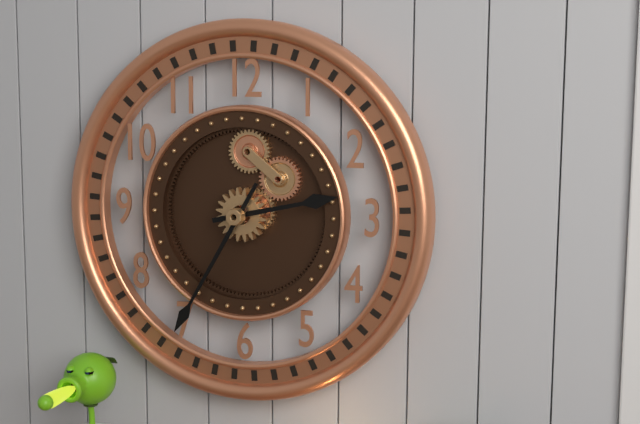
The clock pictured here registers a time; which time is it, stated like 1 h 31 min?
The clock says 2 h 35 min
